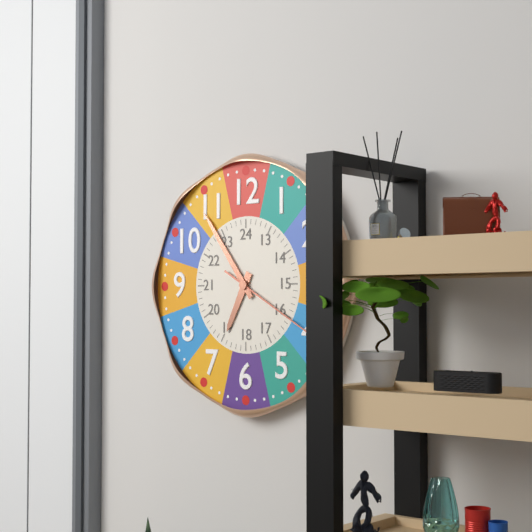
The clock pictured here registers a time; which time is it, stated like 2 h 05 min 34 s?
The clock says 6 h 54 min 20 s
